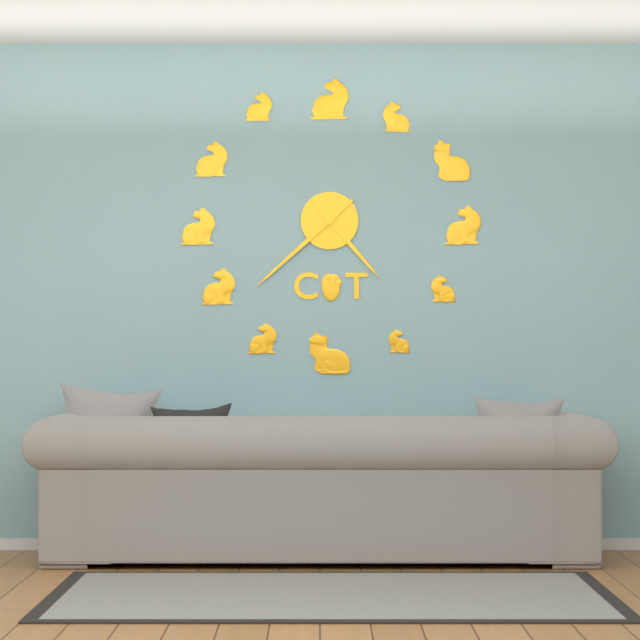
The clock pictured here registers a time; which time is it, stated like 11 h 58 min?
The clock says 4 h 38 min
